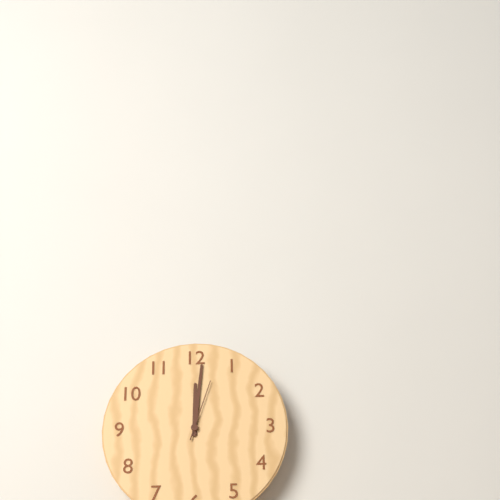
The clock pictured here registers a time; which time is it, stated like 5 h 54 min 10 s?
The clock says 12 h 01 min 03 s
